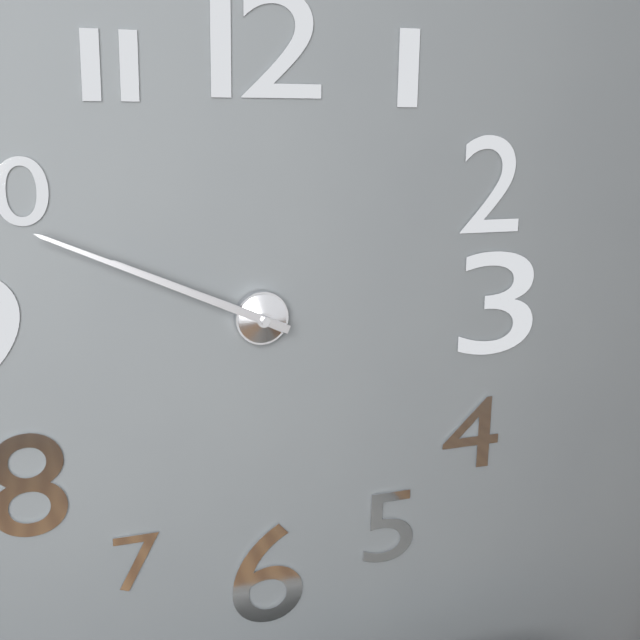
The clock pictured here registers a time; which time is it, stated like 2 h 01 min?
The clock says 9 h 49 min
